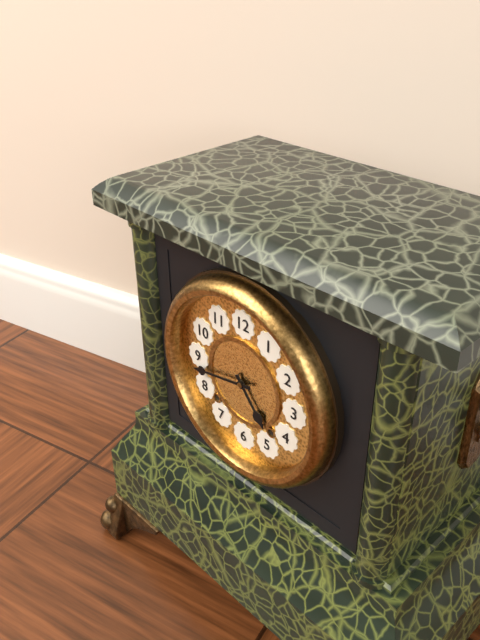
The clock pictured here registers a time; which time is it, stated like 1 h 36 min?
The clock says 4 h 43 min
